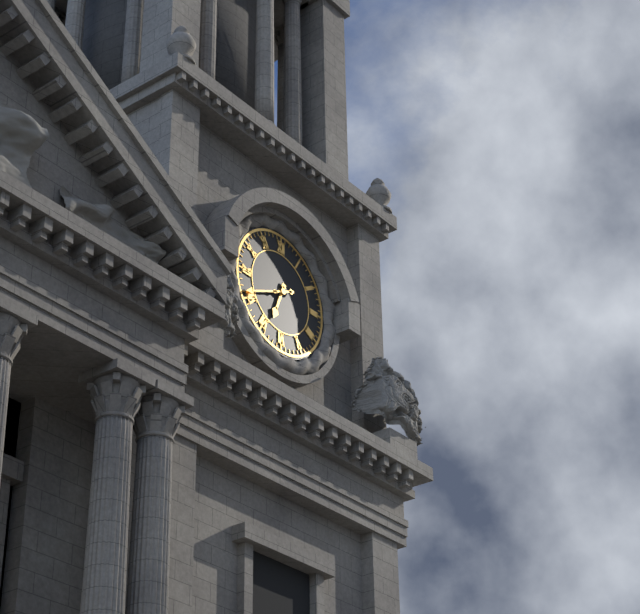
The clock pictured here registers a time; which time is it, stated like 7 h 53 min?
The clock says 6 h 41 min
